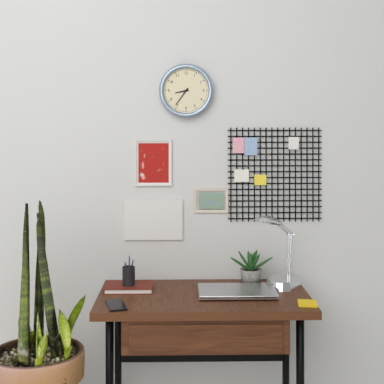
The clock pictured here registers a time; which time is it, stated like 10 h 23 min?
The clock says 8 h 36 min
